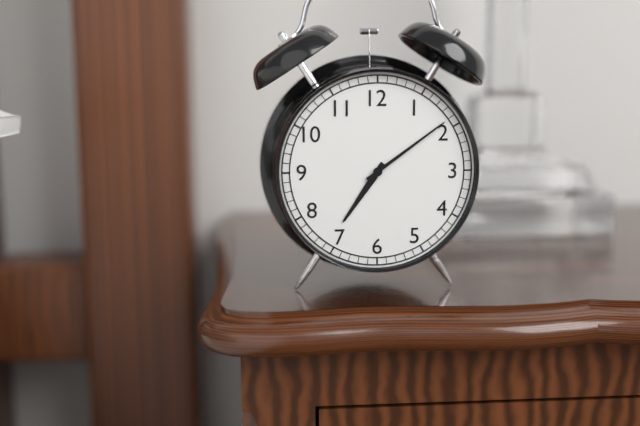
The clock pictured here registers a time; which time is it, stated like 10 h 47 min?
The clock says 7 h 09 min
